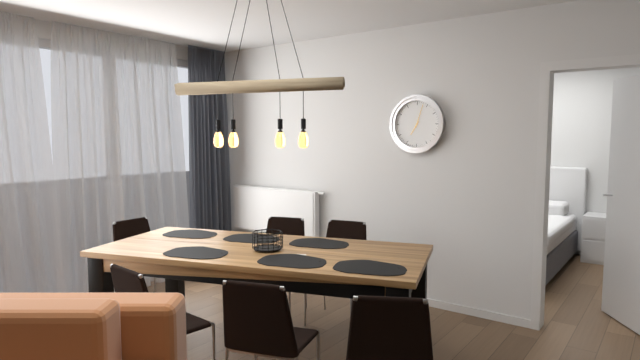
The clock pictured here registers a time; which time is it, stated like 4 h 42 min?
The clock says 7 h 03 min
